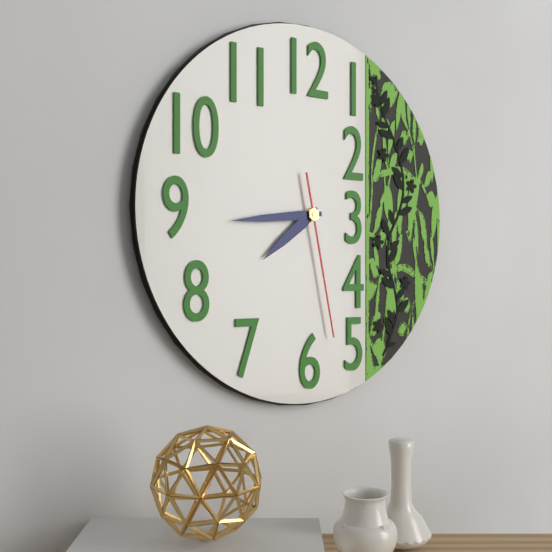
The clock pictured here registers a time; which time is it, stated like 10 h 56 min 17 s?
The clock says 7 h 44 min 28 s
